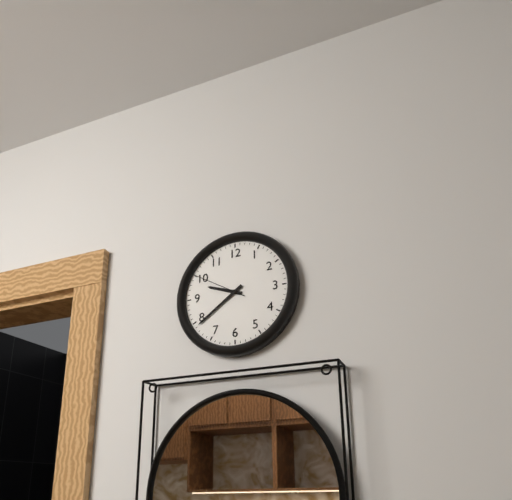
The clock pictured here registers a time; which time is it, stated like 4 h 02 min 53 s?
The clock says 9 h 39 min 50 s
